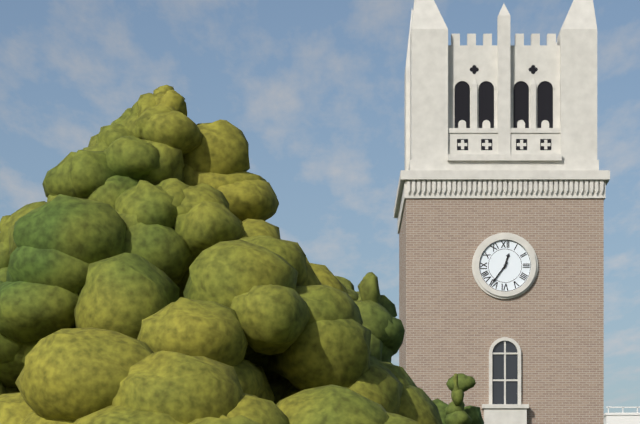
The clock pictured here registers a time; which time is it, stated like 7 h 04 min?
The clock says 12 h 36 min
